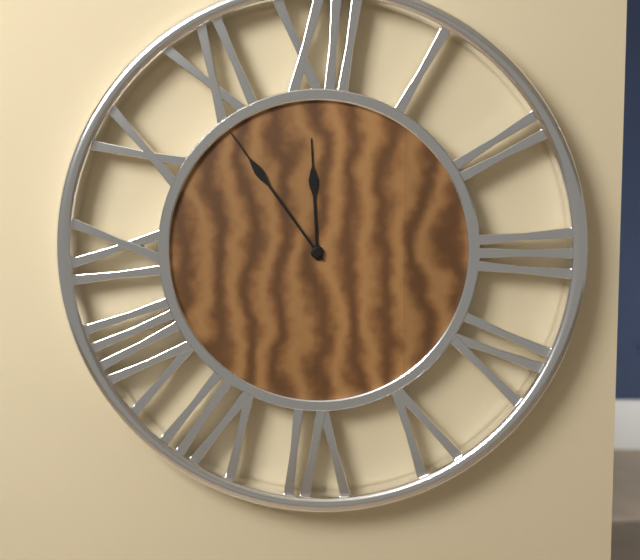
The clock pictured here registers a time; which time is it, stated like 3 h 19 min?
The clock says 11 h 54 min
